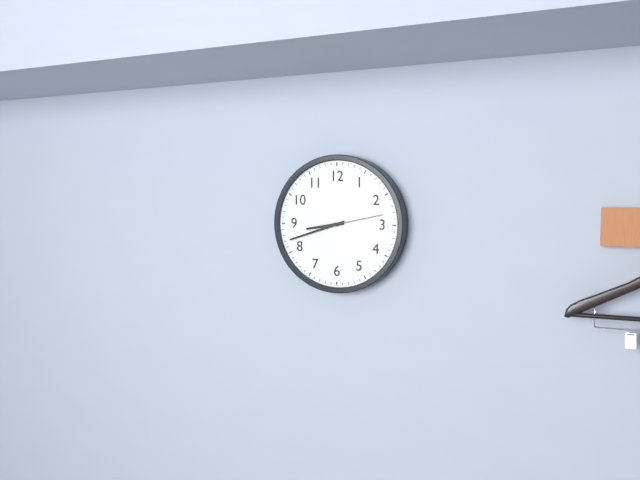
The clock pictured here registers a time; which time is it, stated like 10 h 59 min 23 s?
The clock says 8 h 42 min 13 s
